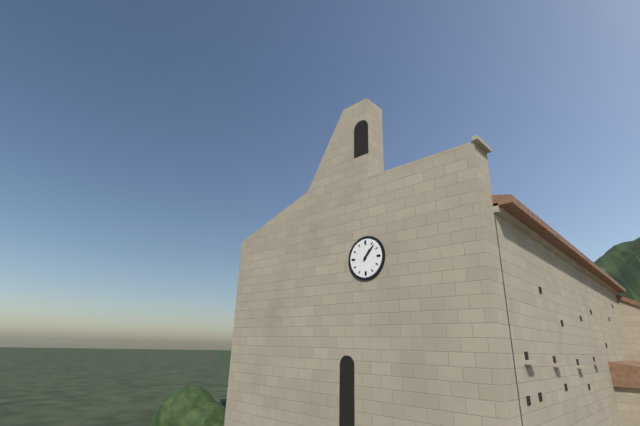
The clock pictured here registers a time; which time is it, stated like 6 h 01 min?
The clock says 1 h 07 min
